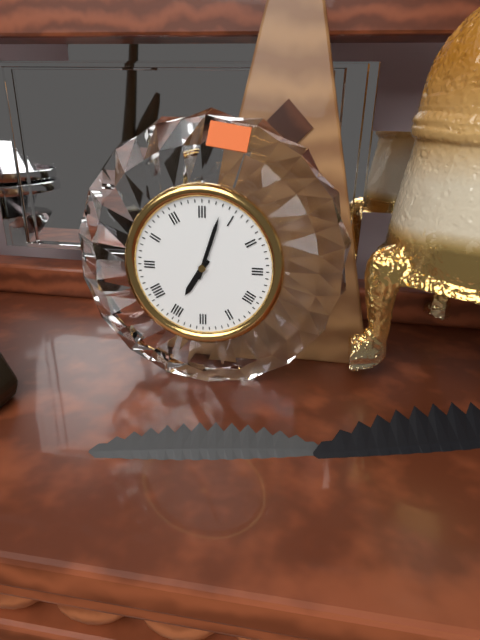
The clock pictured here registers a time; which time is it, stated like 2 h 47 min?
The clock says 7 h 03 min
